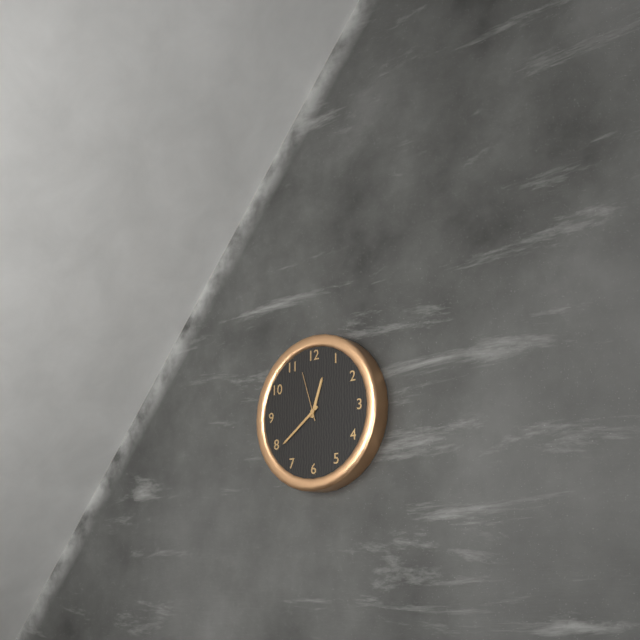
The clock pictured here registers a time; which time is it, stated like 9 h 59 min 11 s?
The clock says 12 h 39 min 57 s
